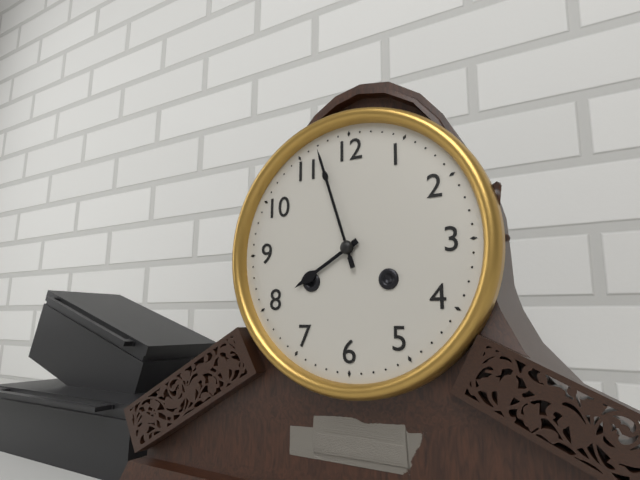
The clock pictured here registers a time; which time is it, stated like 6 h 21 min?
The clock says 7 h 57 min
